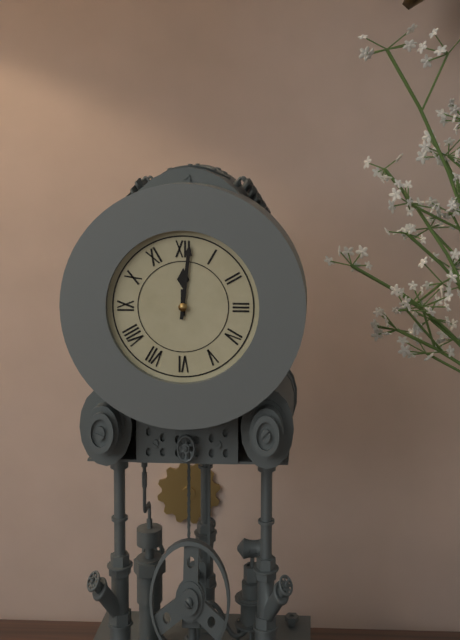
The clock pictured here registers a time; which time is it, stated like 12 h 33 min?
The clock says 12 h 01 min
